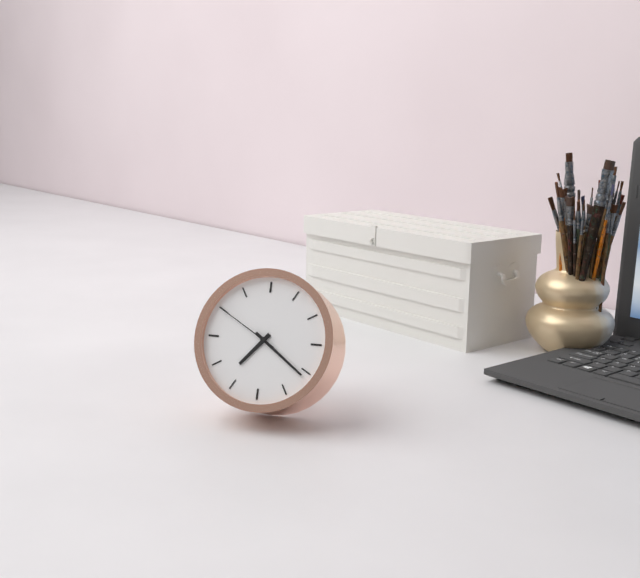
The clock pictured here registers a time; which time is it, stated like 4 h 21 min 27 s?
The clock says 7 h 21 min 50 s
